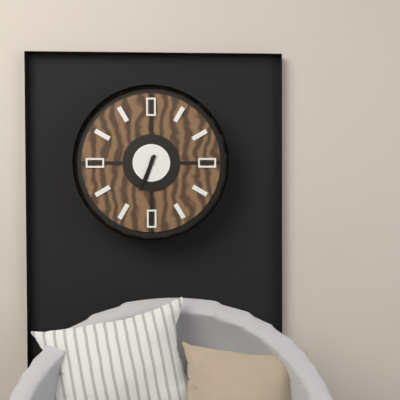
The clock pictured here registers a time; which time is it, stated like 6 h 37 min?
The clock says 6 h 34 min
